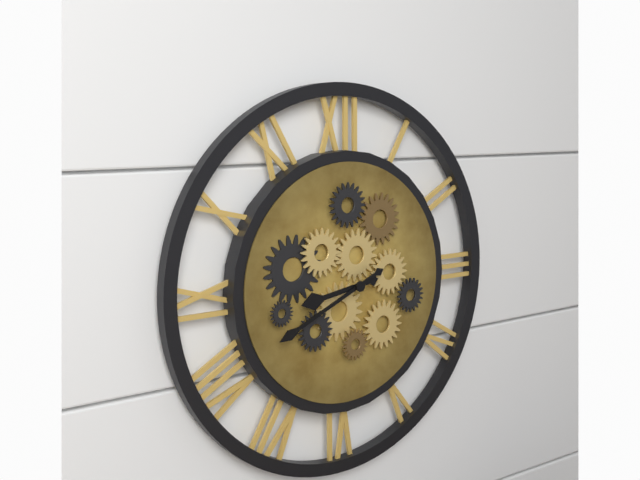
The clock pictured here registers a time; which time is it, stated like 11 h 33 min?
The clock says 8 h 41 min
